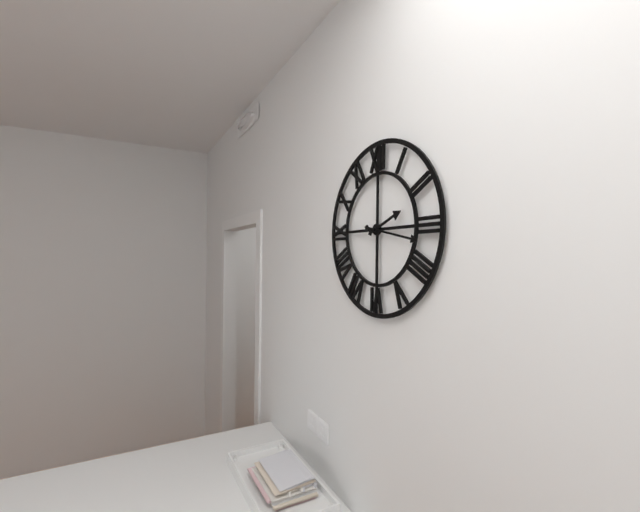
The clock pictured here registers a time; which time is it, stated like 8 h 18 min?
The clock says 2 h 17 min
